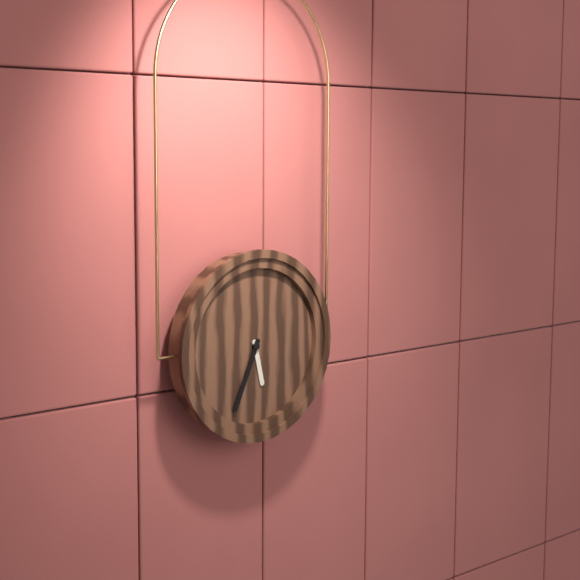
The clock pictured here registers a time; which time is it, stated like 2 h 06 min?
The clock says 5 h 34 min
